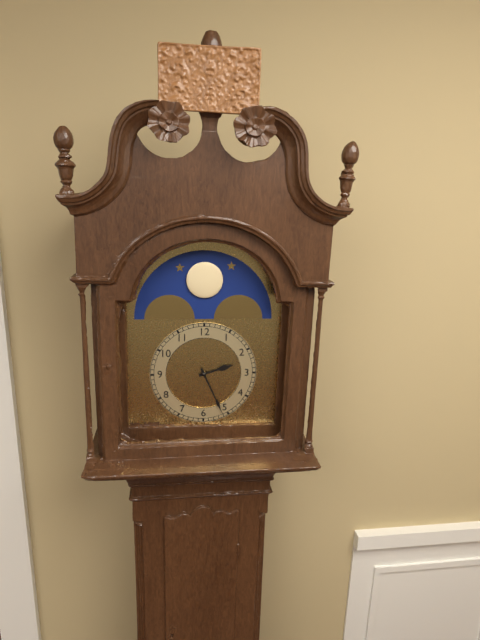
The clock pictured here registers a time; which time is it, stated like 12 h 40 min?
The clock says 2 h 26 min
